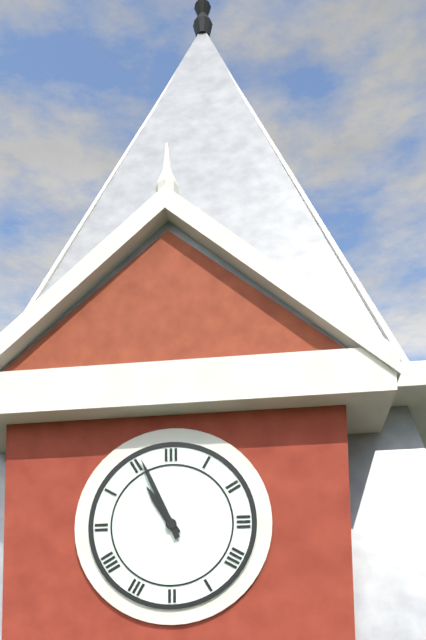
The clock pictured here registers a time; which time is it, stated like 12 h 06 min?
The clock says 10 h 56 min
